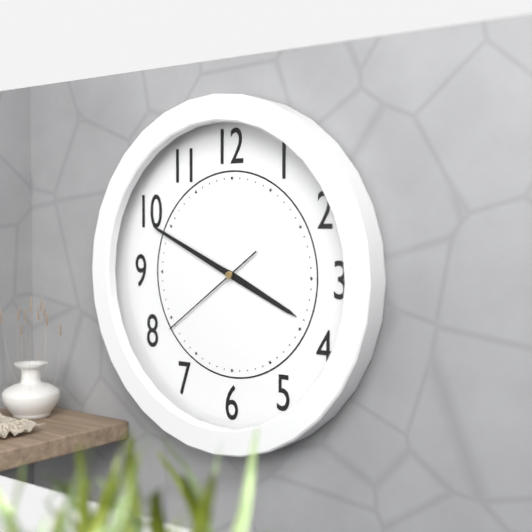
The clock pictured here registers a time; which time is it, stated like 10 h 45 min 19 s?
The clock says 3 h 49 min 39 s
